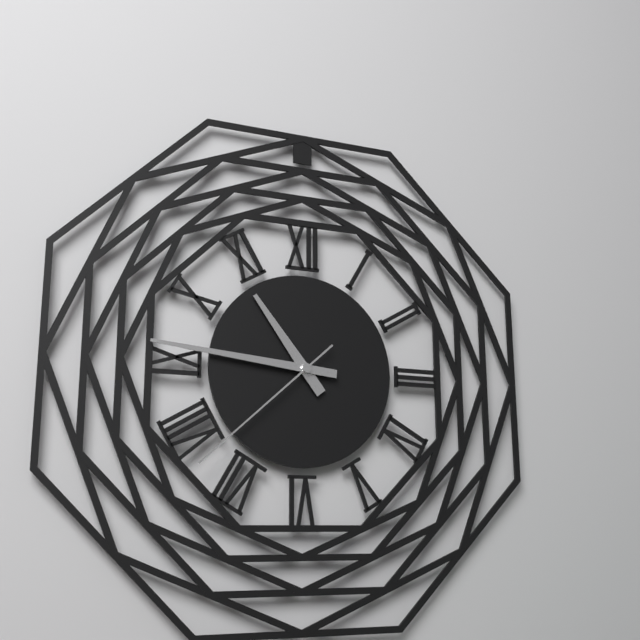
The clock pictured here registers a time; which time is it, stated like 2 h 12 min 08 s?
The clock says 10 h 46 min 38 s
